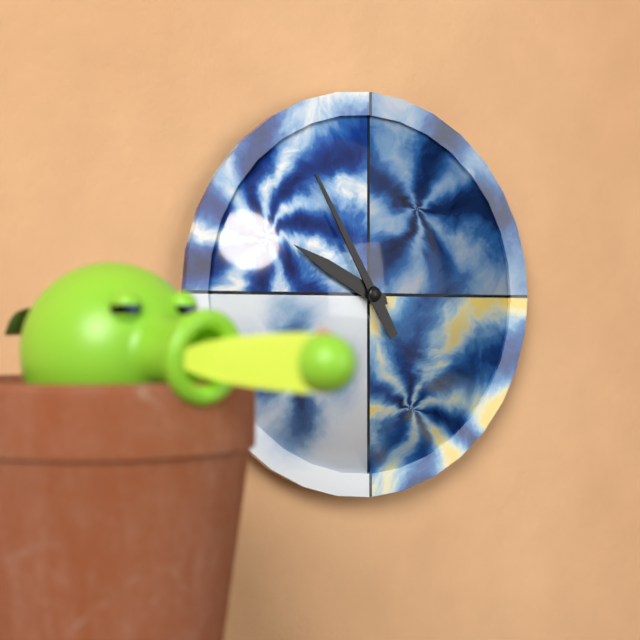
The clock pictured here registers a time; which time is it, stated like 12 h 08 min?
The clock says 9 h 55 min
